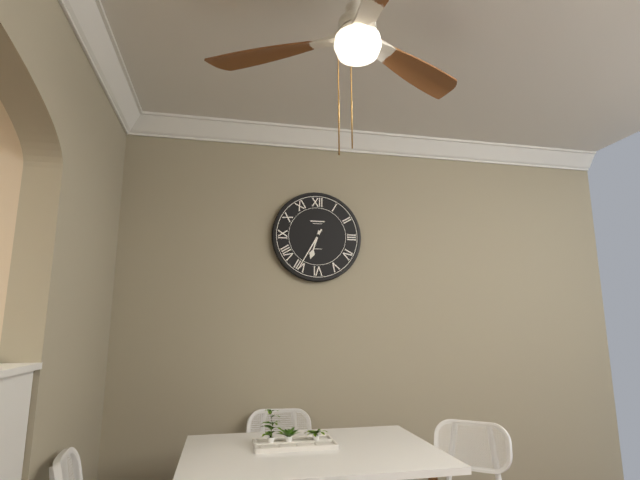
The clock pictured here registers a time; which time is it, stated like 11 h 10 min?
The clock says 6 h 35 min
